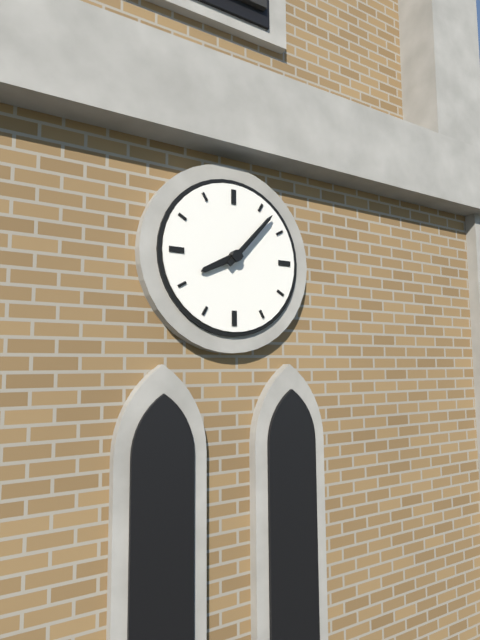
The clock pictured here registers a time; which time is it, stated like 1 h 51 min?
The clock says 8 h 07 min
